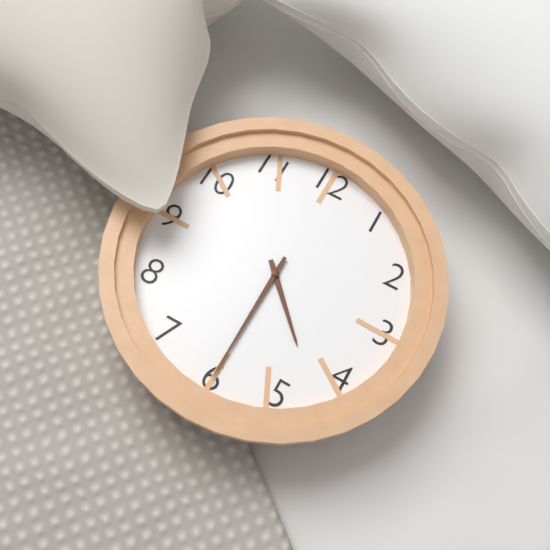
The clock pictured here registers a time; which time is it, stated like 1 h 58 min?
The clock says 4 h 30 min
